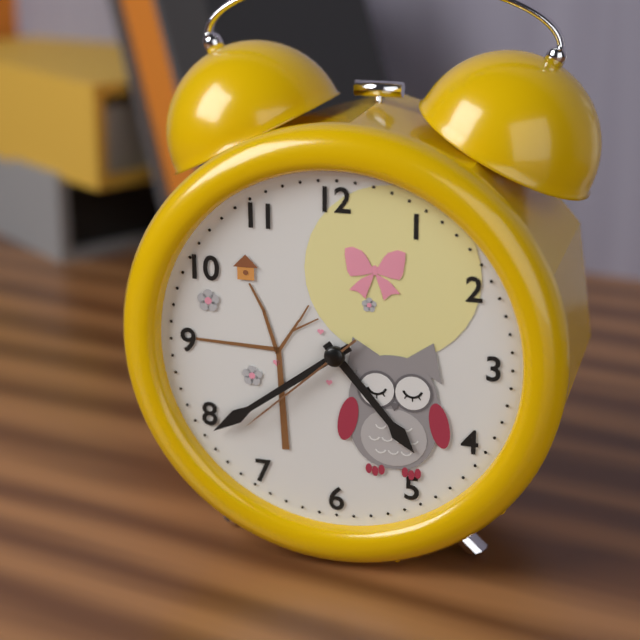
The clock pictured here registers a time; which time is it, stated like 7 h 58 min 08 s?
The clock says 4 h 39 min 38 s
